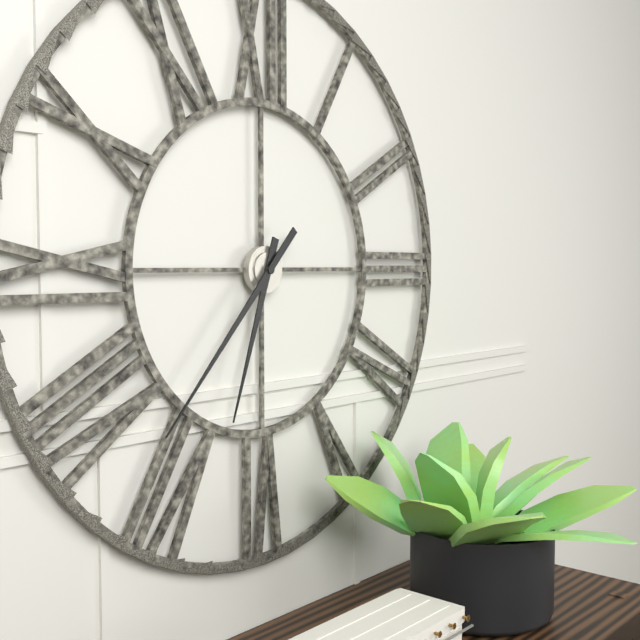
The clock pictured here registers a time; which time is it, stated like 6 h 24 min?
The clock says 6 h 37 min
